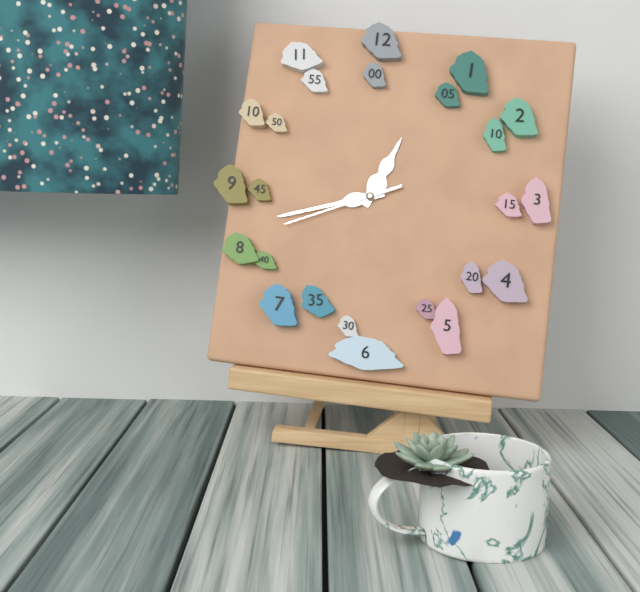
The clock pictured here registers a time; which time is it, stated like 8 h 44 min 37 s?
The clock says 12 h 42 min 41 s
